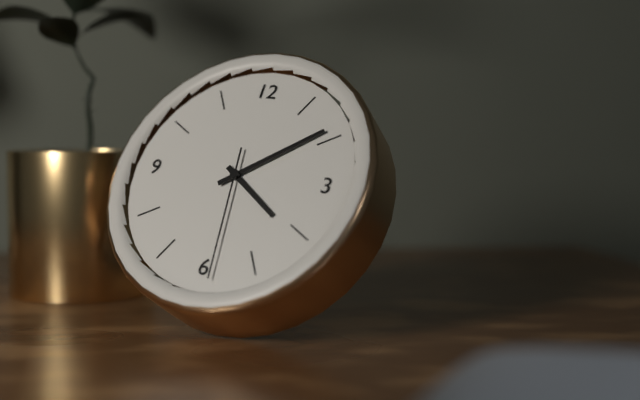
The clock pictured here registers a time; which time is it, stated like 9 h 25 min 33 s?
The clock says 4 h 09 min 29 s
